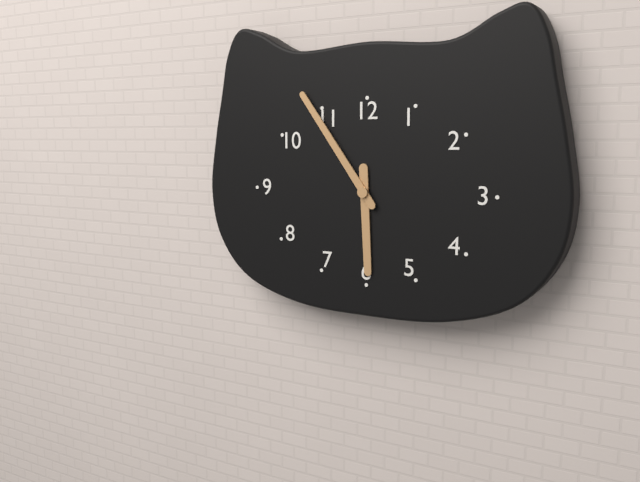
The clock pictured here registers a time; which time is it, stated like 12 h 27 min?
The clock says 5 h 54 min
